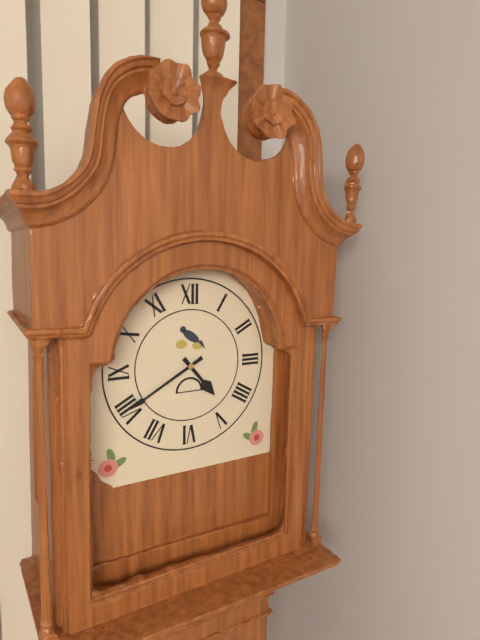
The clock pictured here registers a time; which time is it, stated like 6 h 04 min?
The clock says 4 h 40 min
